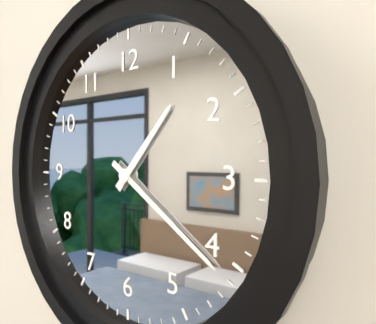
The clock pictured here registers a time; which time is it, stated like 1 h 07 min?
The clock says 1 h 21 min
